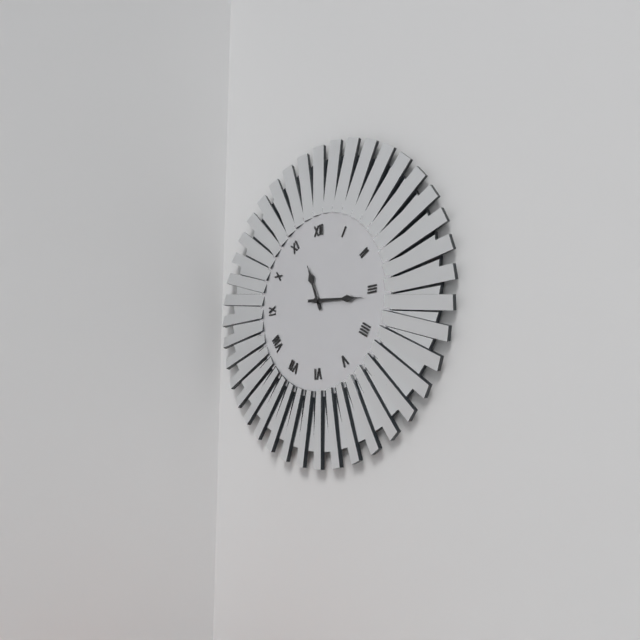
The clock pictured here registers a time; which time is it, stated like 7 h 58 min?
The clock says 11 h 16 min
